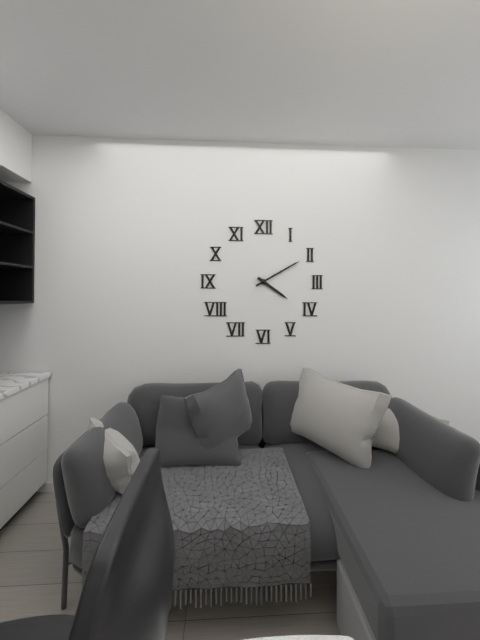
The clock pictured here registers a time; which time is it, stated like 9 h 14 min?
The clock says 4 h 10 min
